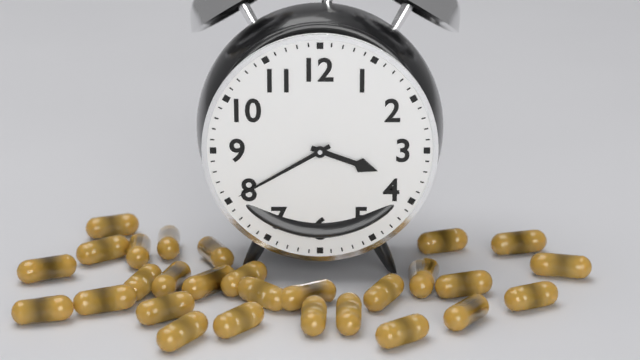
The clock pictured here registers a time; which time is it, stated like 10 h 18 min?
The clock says 3 h 40 min
